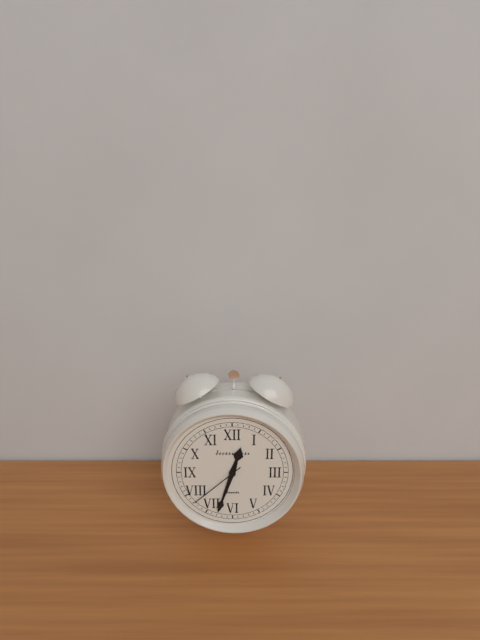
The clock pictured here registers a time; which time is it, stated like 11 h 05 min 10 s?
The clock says 12 h 33 min 38 s
